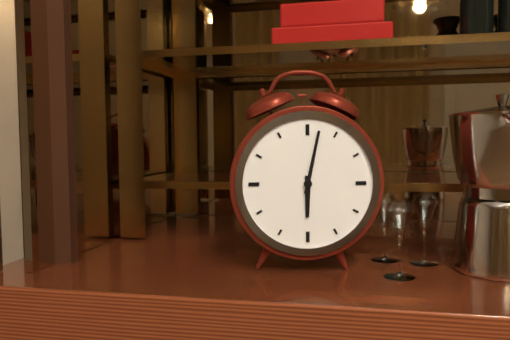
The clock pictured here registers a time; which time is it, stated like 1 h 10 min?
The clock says 6 h 02 min
